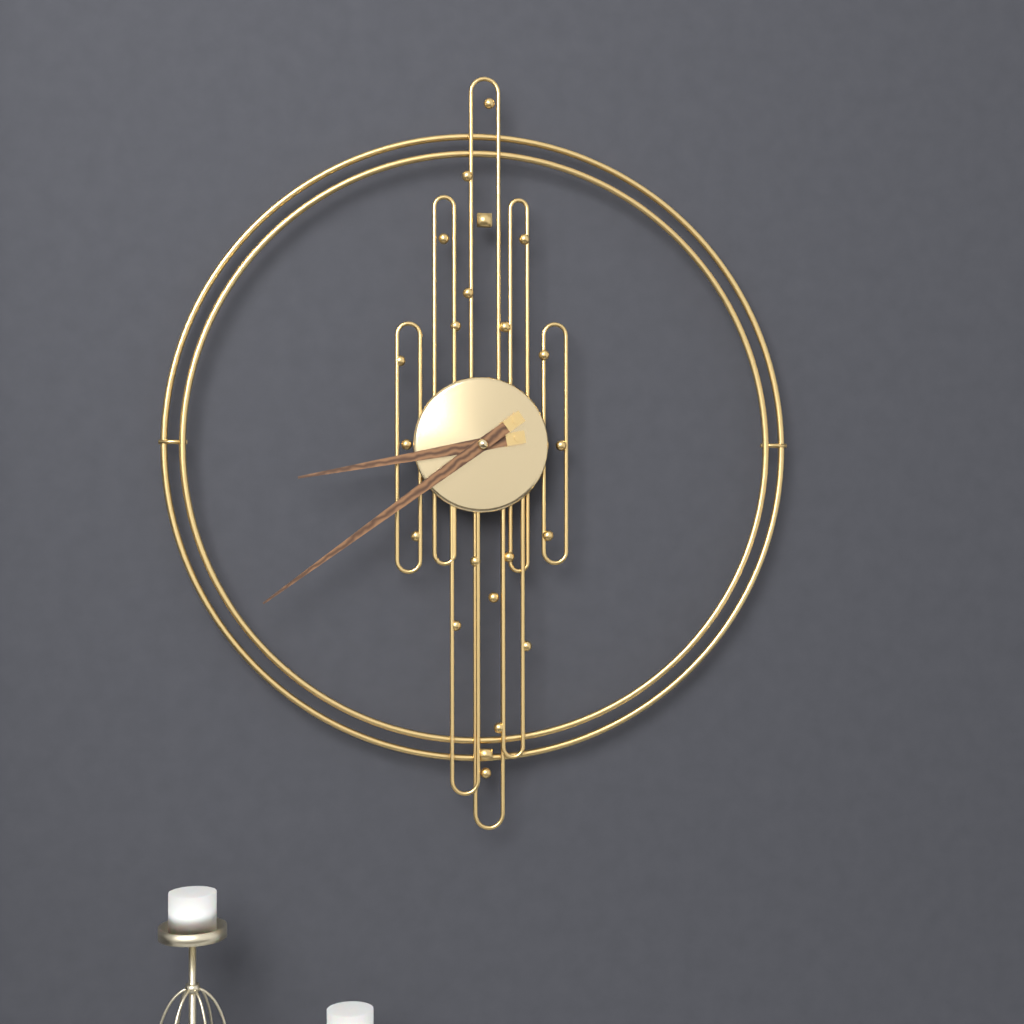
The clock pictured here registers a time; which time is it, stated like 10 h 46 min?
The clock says 8 h 39 min
